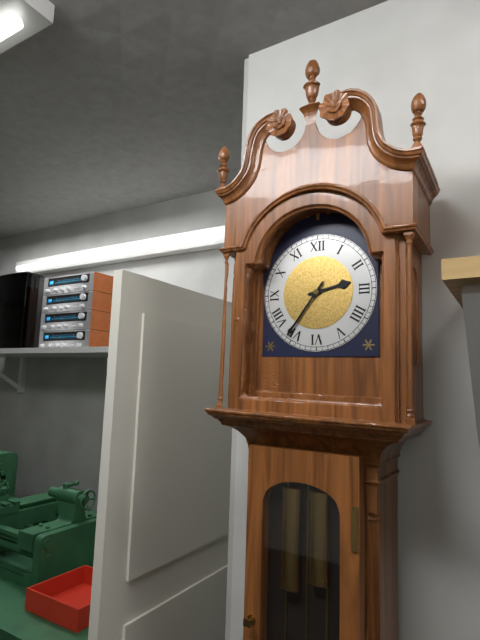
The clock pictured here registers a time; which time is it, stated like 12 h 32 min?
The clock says 2 h 36 min
